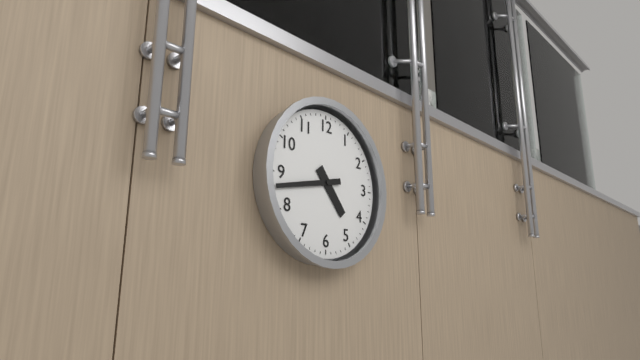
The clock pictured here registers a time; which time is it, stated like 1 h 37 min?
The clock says 4 h 43 min
